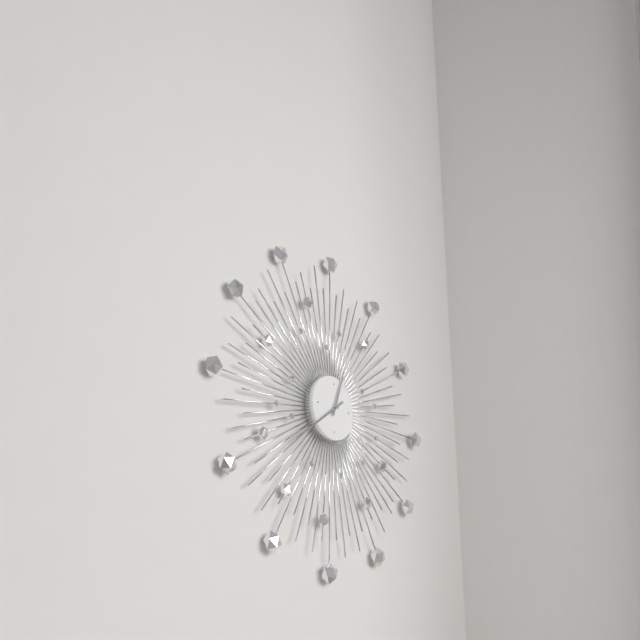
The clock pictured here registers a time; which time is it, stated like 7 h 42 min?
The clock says 12 h 39 min
